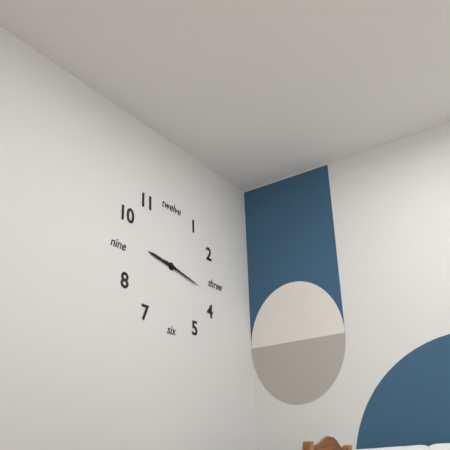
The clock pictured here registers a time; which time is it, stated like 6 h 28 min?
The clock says 9 h 17 min
